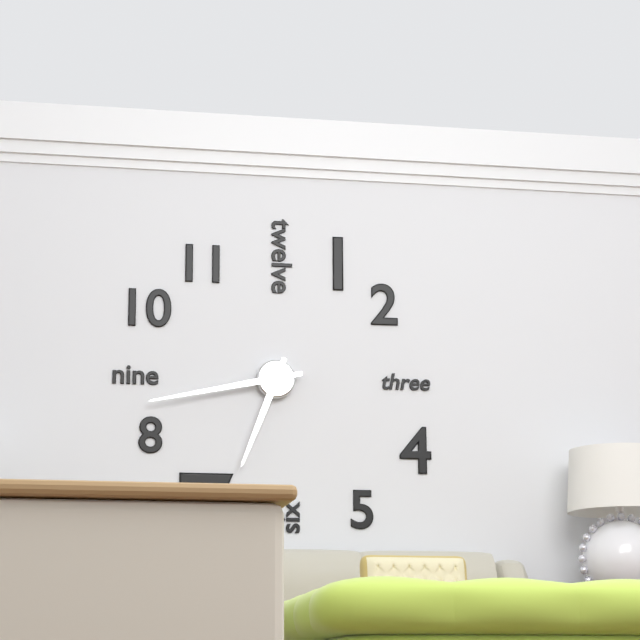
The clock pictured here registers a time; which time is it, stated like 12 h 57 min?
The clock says 6 h 43 min
